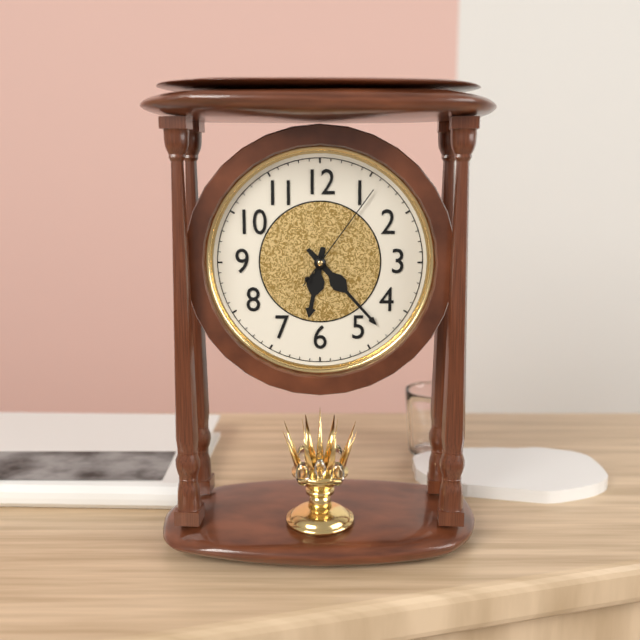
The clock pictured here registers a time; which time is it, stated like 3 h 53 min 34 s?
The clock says 6 h 23 min 06 s
